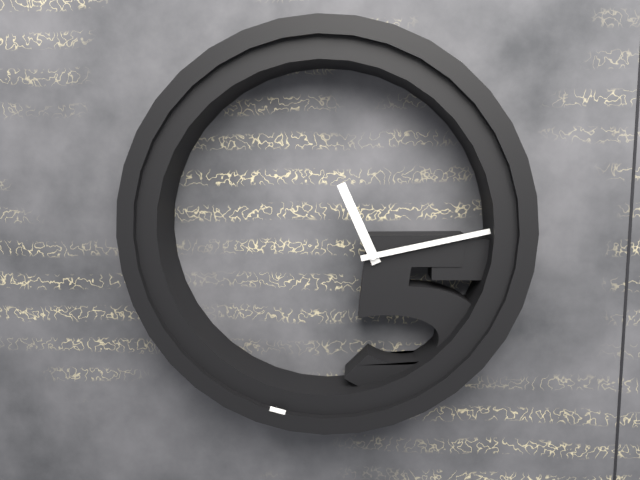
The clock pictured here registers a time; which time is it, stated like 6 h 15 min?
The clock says 11 h 13 min
